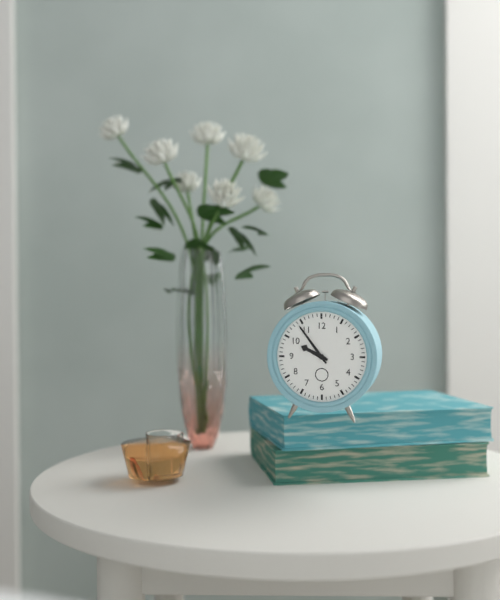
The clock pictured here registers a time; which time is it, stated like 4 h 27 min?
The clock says 9 h 54 min
